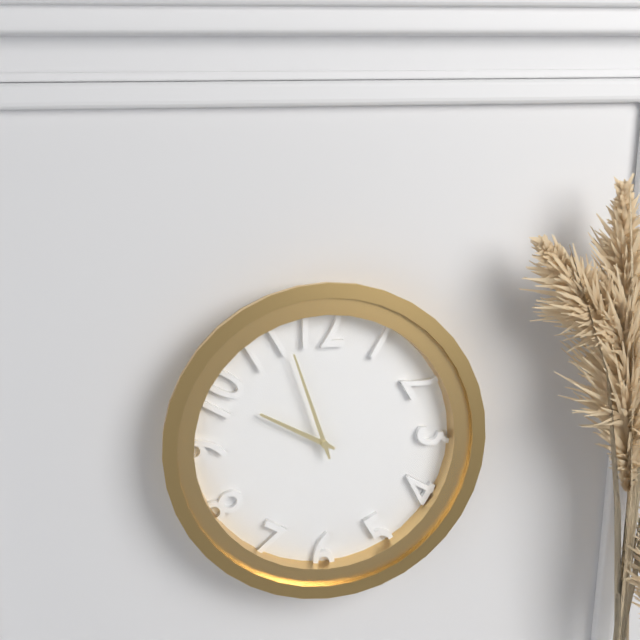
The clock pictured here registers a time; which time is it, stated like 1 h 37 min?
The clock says 9 h 57 min
